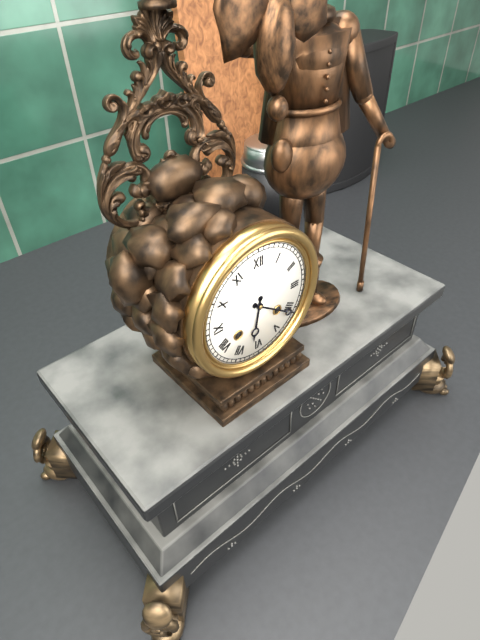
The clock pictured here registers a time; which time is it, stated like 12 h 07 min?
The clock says 6 h 21 min
